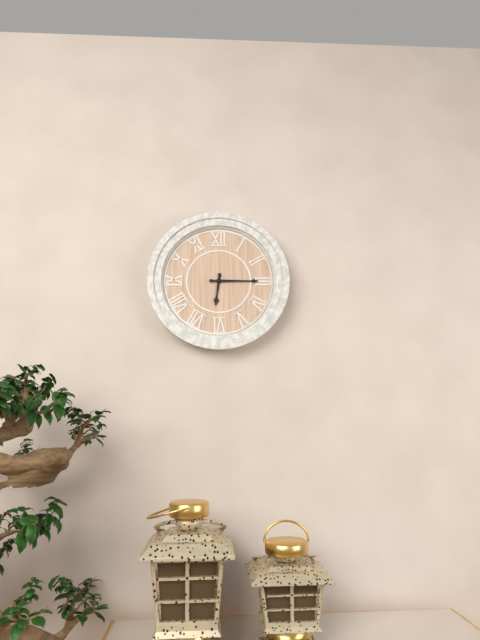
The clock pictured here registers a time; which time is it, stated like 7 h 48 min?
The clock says 6 h 15 min
